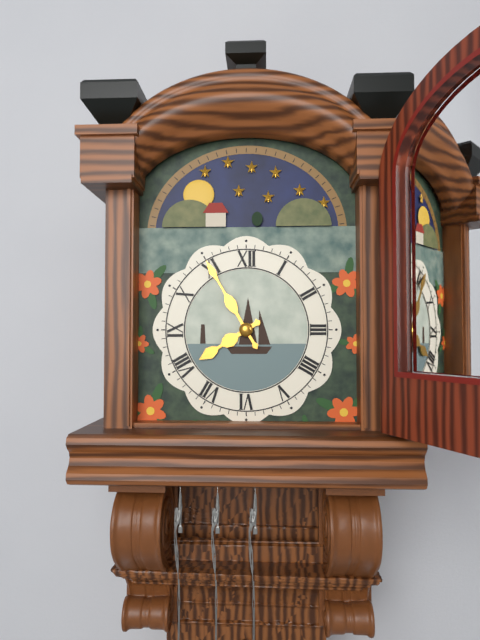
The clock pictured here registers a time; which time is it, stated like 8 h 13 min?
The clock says 7 h 55 min
